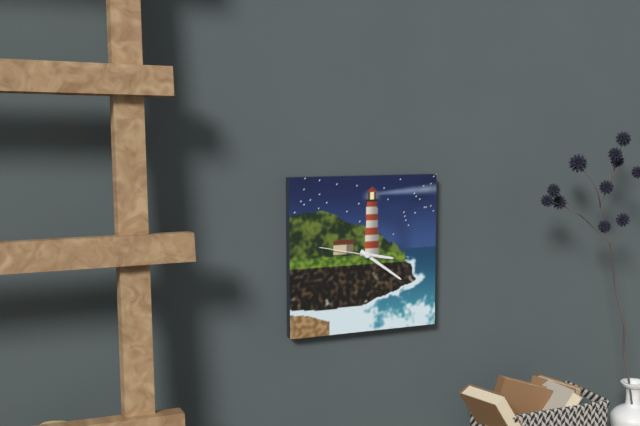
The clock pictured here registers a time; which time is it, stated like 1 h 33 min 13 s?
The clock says 3 h 21 min 47 s
